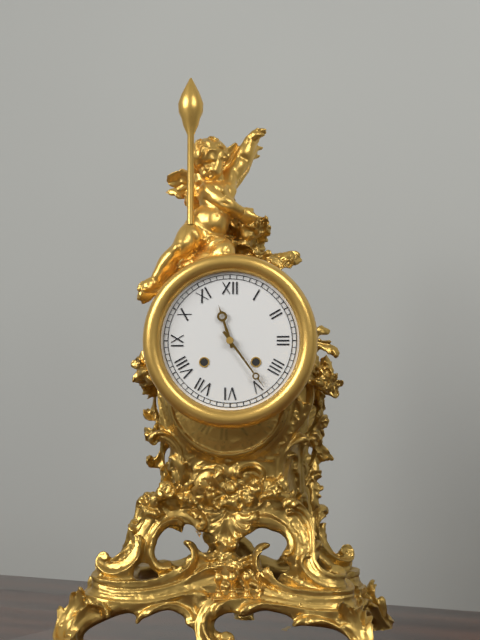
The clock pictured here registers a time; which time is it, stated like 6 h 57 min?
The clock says 11 h 24 min
